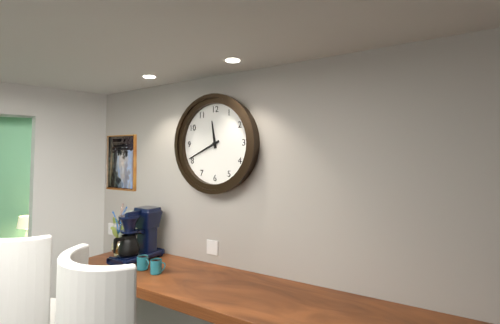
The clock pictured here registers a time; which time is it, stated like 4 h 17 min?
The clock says 11 h 41 min
